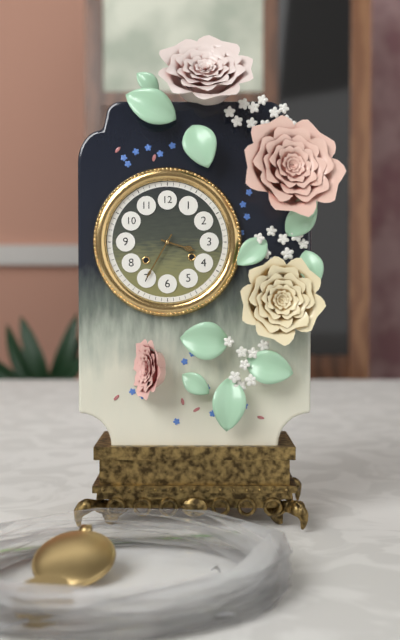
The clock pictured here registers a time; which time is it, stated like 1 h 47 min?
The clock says 3 h 35 min
